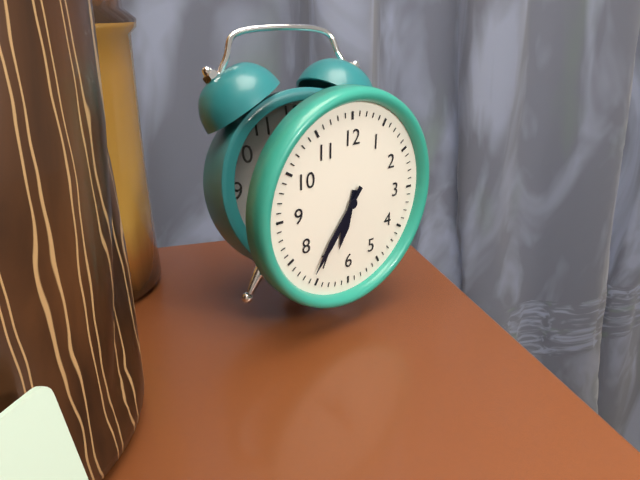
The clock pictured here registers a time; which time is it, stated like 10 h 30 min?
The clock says 6 h 36 min
